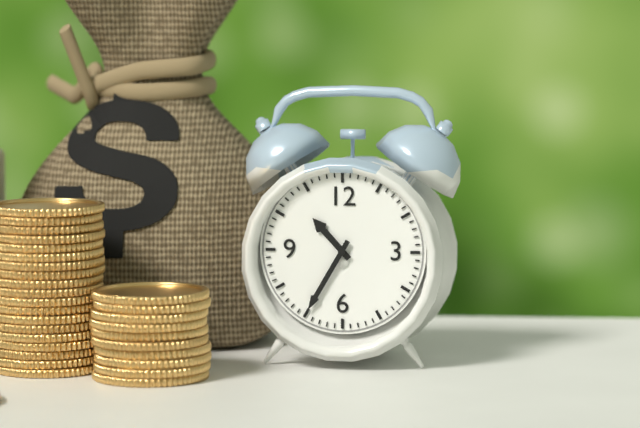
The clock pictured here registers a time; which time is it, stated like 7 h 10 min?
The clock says 10 h 35 min
